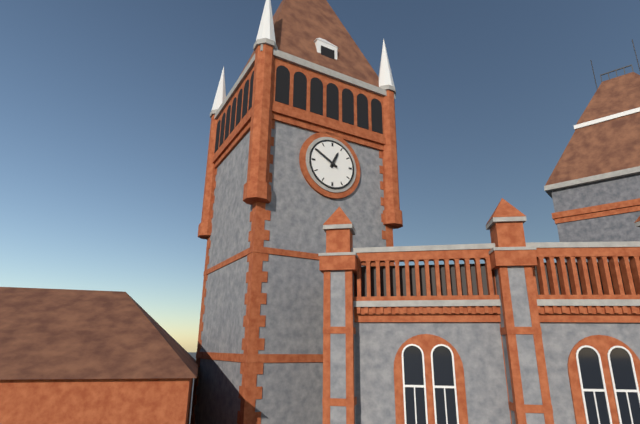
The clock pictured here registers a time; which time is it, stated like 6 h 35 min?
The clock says 12 h 50 min
